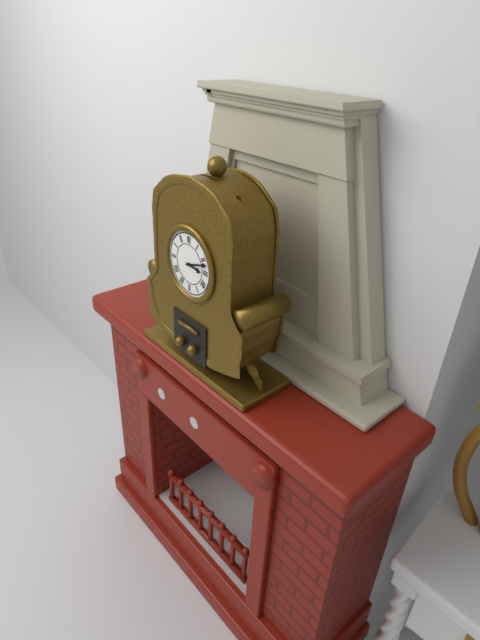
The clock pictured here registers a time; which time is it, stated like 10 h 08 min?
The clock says 3 h 12 min
